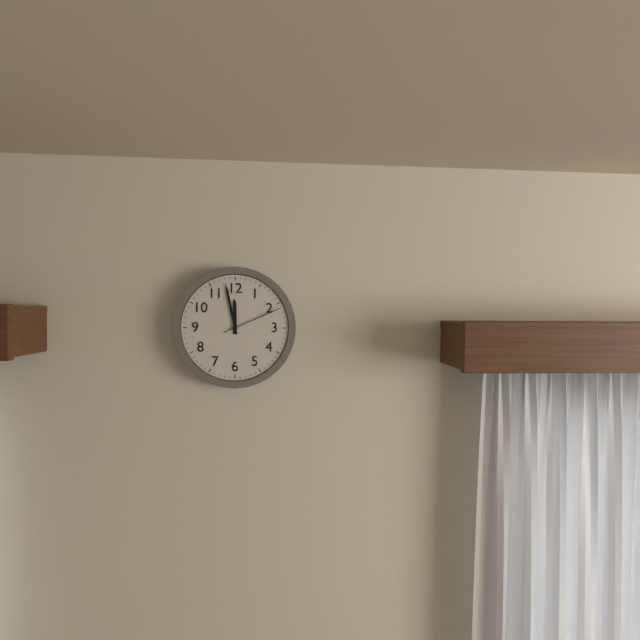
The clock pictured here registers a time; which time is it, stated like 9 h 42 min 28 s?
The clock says 11 h 58 min 11 s
